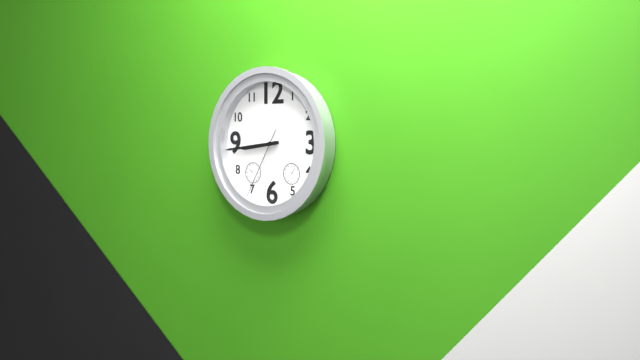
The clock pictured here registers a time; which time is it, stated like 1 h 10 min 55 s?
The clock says 8 h 44 min 35 s
